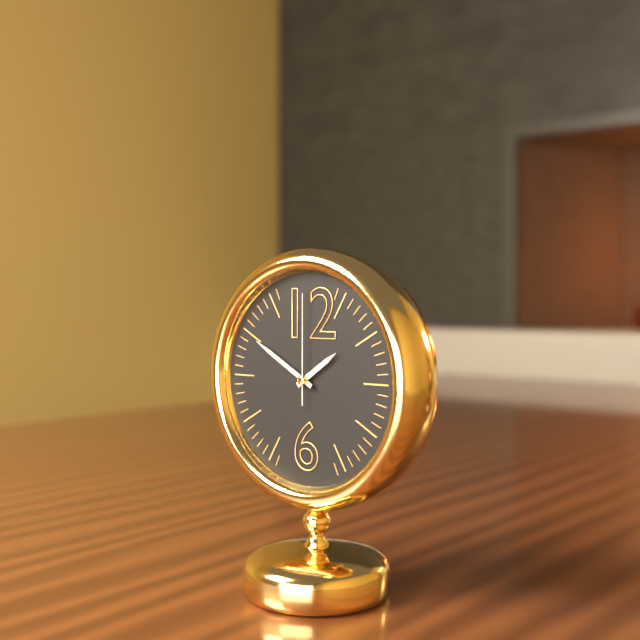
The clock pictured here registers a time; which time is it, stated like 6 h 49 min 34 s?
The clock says 1 h 50 min 00 s
